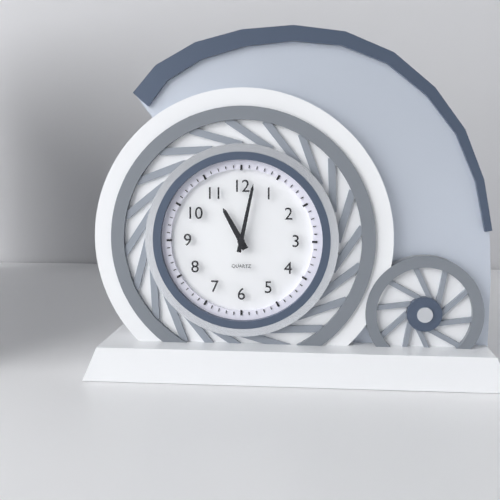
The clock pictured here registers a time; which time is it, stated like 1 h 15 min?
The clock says 11 h 02 min
